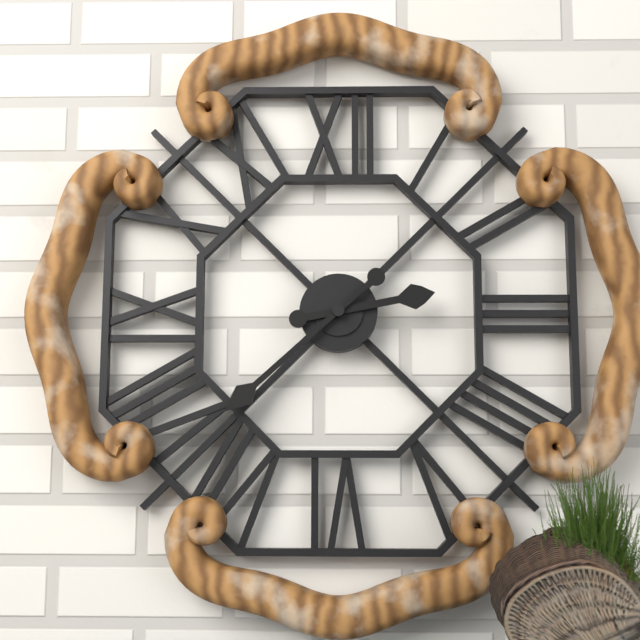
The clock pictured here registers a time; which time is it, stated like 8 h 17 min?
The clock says 2 h 38 min
